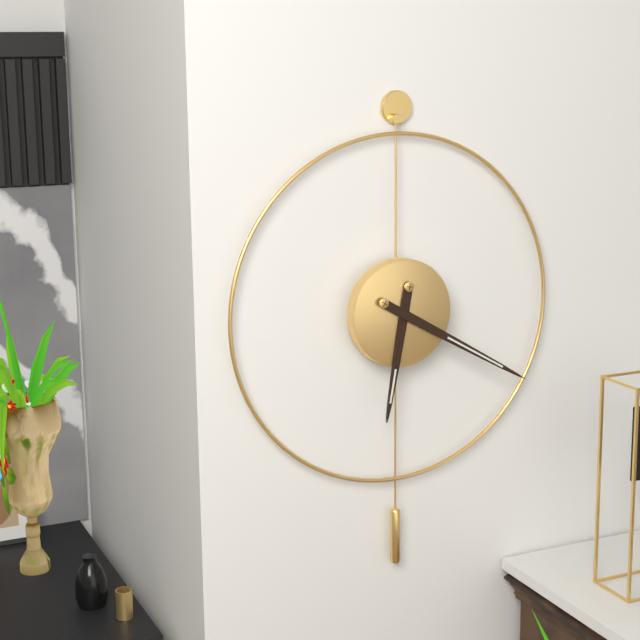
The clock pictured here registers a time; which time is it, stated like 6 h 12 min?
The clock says 6 h 20 min
